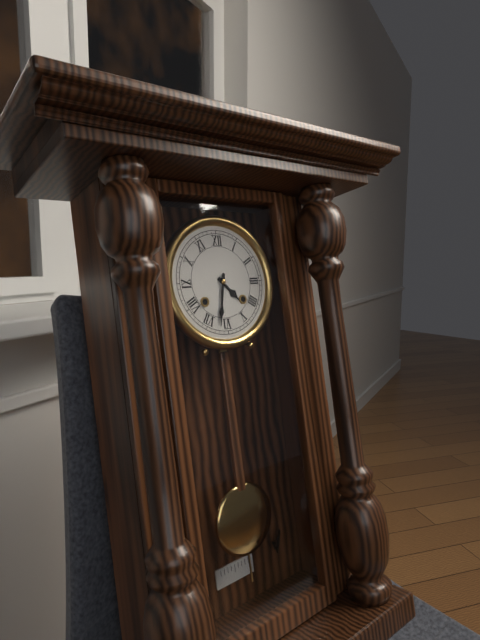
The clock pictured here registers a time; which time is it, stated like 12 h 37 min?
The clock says 4 h 32 min
